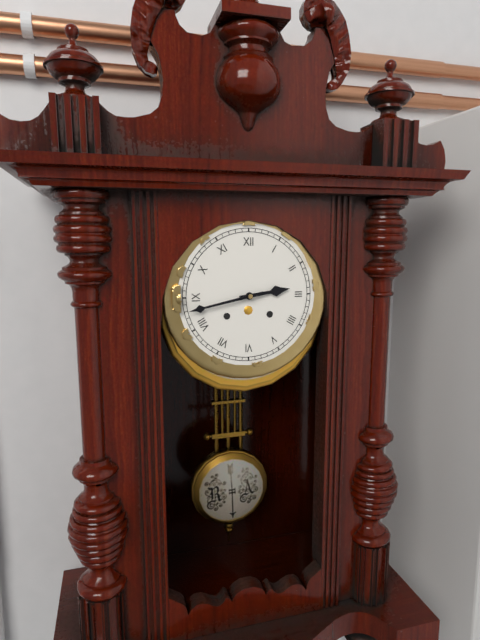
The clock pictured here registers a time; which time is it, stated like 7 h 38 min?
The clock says 2 h 43 min
